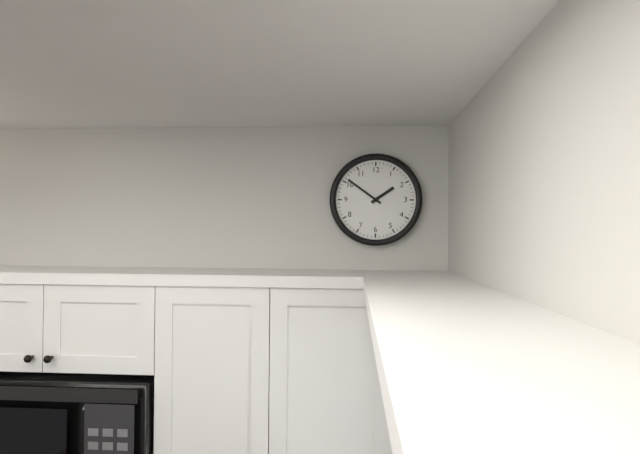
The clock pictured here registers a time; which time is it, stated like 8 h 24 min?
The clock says 1 h 51 min
